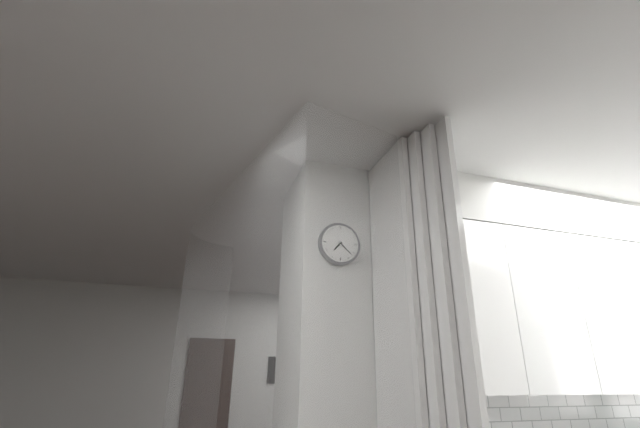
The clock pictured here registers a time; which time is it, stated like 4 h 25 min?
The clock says 7 h 22 min
